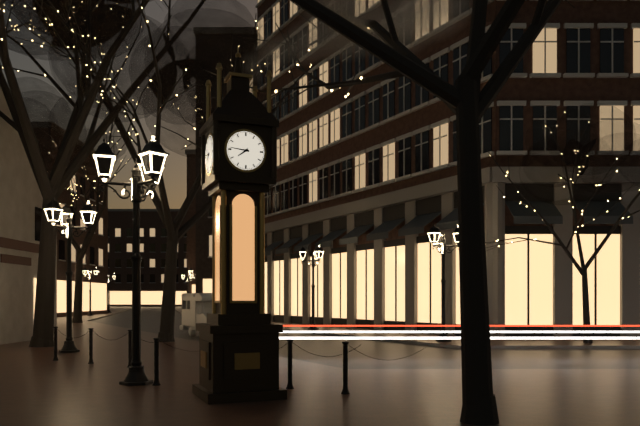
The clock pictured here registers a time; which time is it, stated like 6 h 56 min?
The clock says 7 h 46 min
